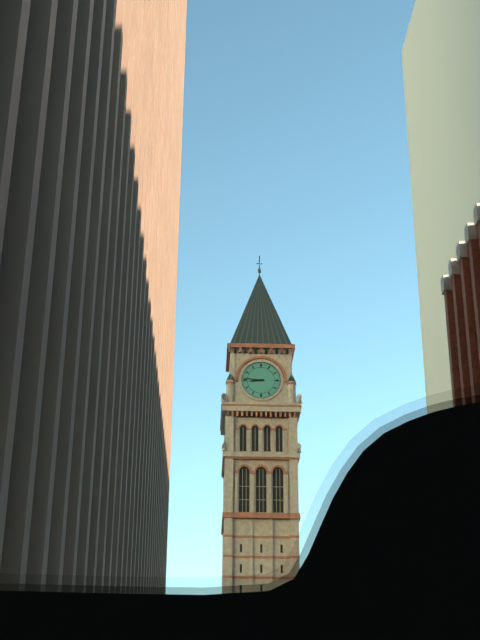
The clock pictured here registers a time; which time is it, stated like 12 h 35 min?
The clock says 8 h 46 min
